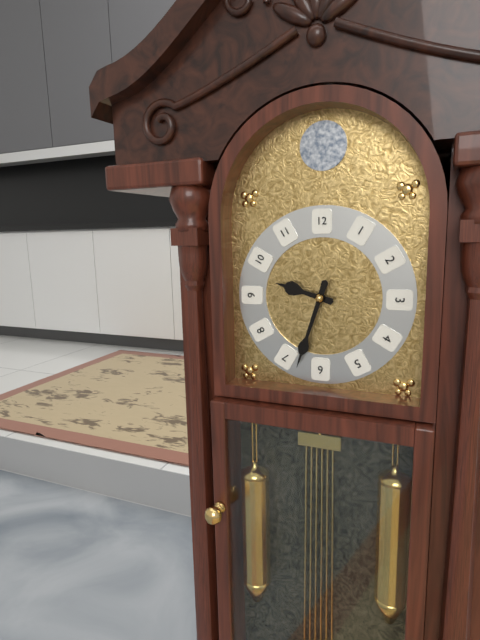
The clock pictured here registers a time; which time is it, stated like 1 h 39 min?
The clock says 9 h 33 min
